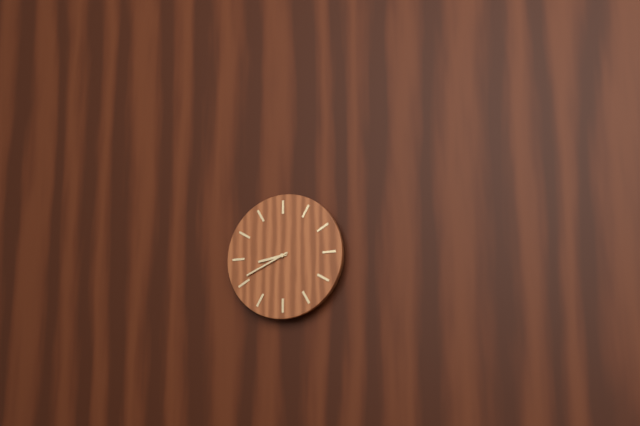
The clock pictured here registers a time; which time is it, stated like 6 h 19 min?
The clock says 8 h 41 min
